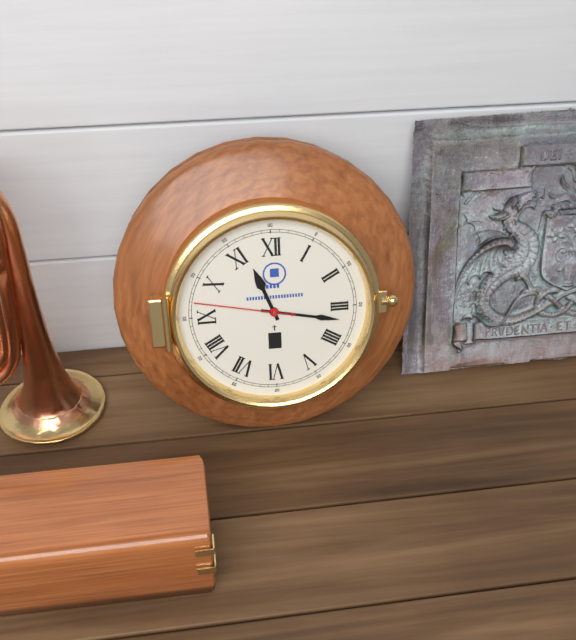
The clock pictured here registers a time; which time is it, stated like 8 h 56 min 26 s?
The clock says 11 h 17 min 47 s
